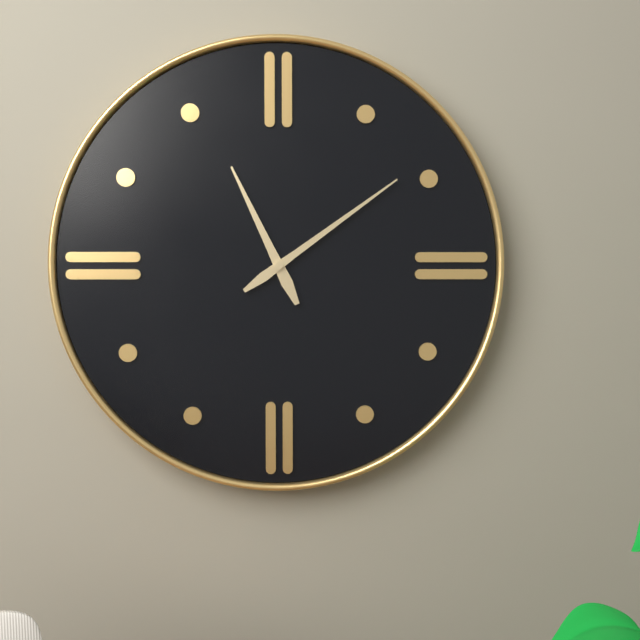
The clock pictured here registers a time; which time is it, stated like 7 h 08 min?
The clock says 11 h 09 min
